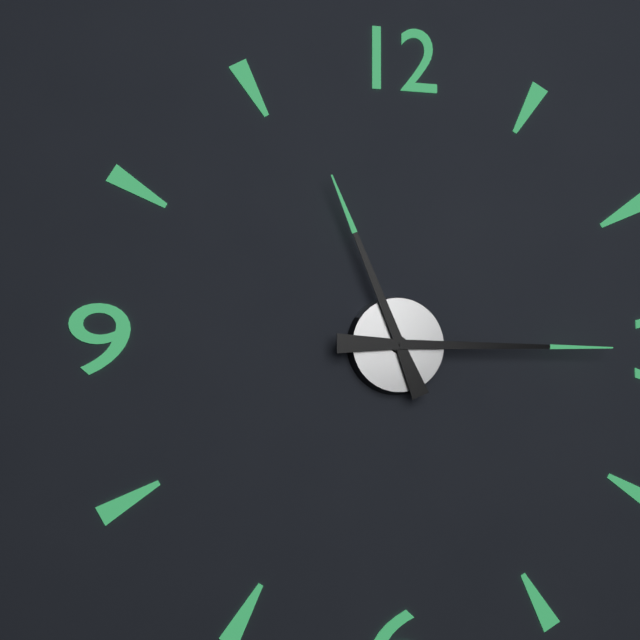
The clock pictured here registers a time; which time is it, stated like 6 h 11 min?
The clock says 11 h 15 min
